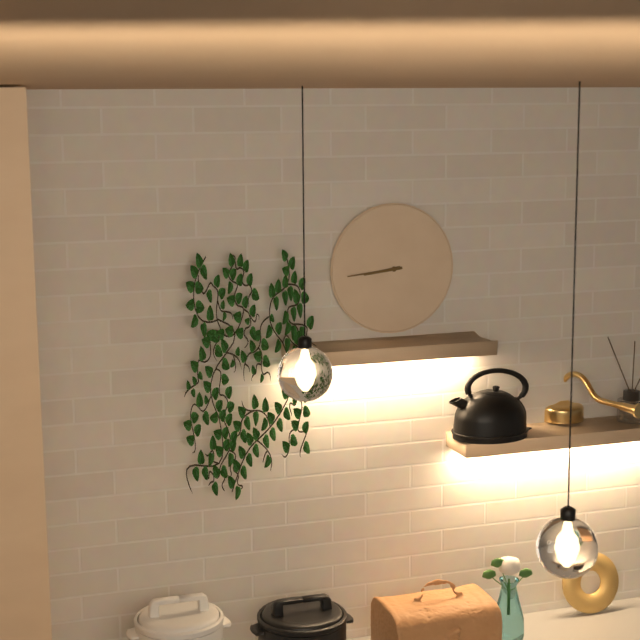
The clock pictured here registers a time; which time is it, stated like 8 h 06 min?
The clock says 8 h 44 min
